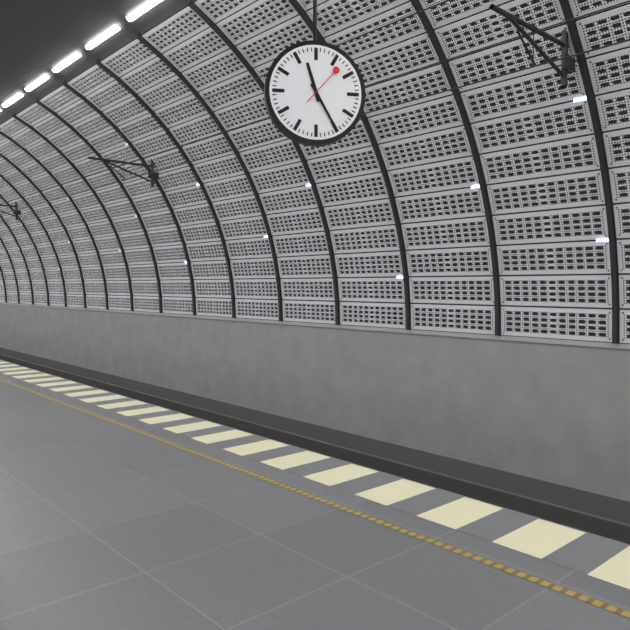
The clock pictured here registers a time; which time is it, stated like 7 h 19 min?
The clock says 11 h 25 min
